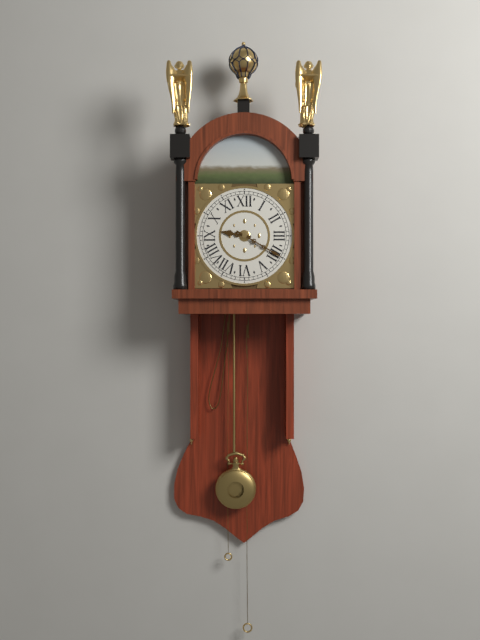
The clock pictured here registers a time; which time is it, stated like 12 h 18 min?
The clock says 9 h 20 min
